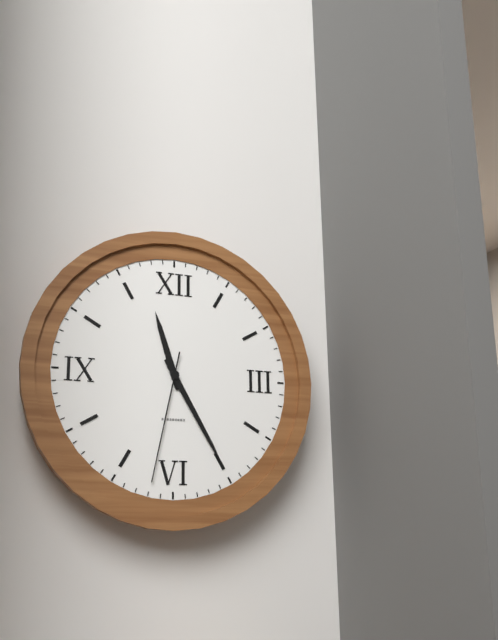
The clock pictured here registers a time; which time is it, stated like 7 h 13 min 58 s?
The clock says 11 h 25 min 32 s
